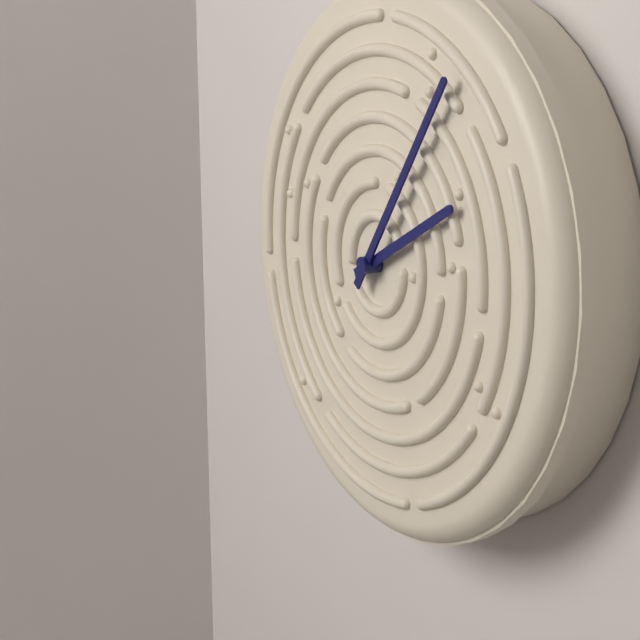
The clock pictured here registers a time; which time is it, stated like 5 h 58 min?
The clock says 2 h 06 min
